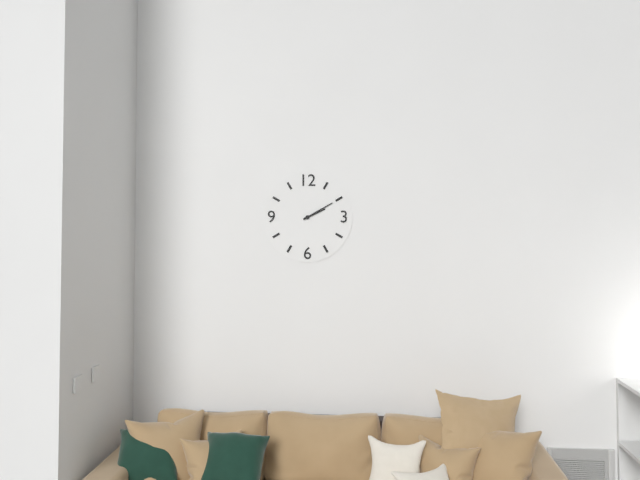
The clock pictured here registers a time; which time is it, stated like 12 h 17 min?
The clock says 2 h 10 min
